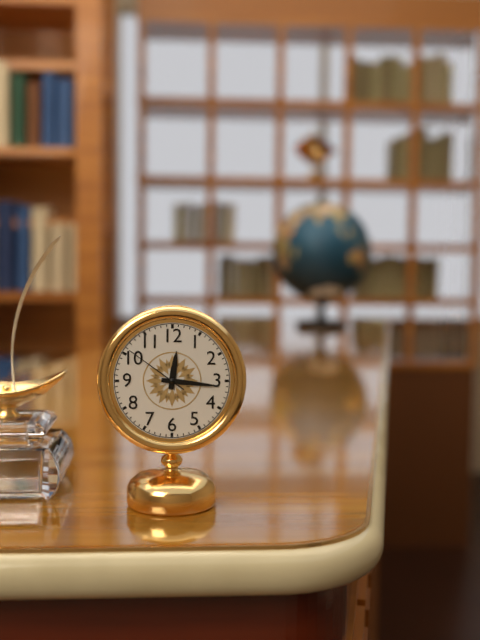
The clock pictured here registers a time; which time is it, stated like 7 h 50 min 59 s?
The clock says 12 h 16 min 51 s
